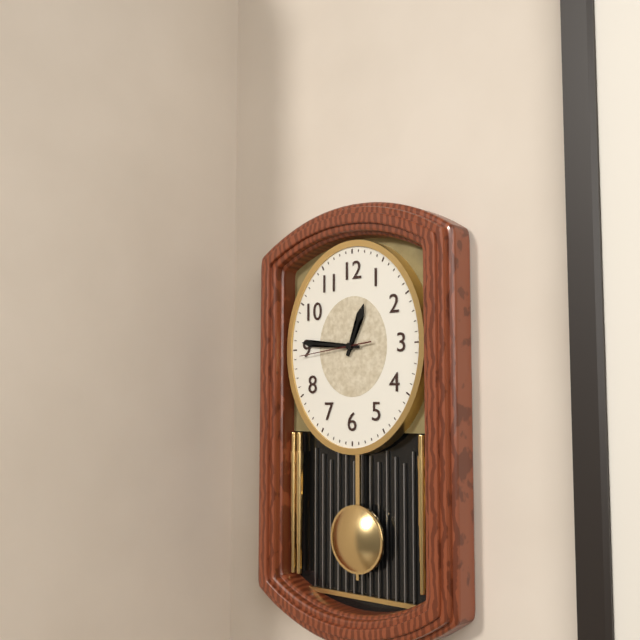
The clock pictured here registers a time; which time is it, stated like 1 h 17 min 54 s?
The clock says 12 h 46 min 44 s
